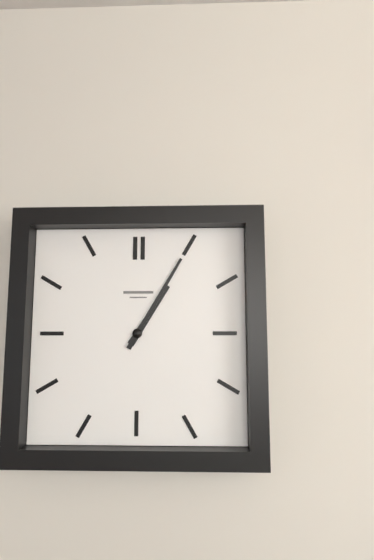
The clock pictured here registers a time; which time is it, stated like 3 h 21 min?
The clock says 1 h 05 min
